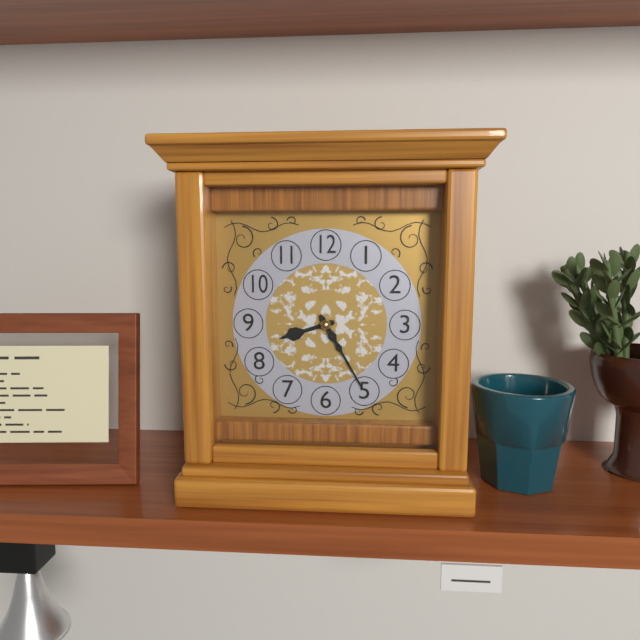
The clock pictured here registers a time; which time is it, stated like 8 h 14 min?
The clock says 8 h 25 min
